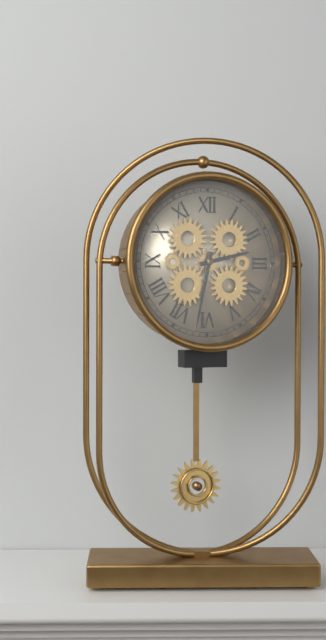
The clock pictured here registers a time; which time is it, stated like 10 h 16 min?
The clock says 2 h 32 min
